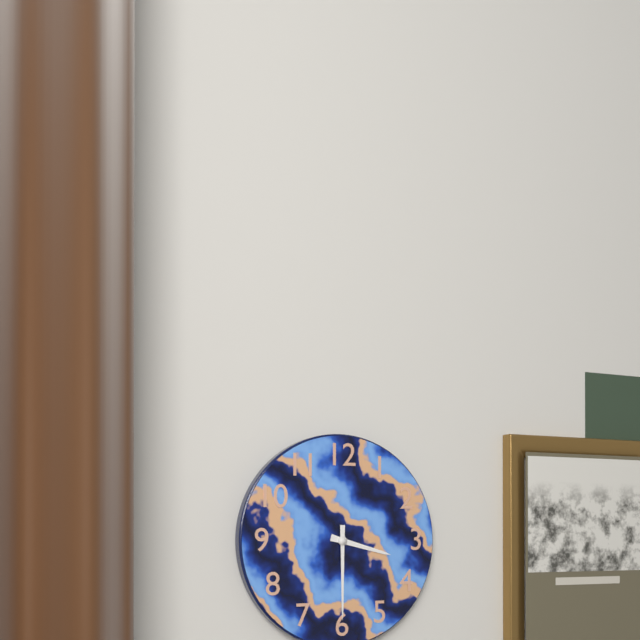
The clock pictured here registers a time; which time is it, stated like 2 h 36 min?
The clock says 3 h 30 min
